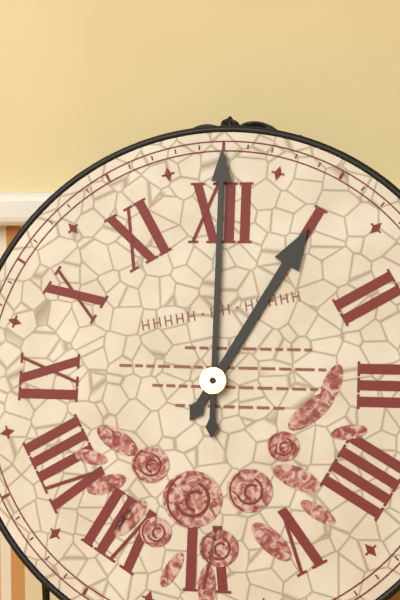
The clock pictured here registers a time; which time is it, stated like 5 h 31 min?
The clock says 1 h 00 min
